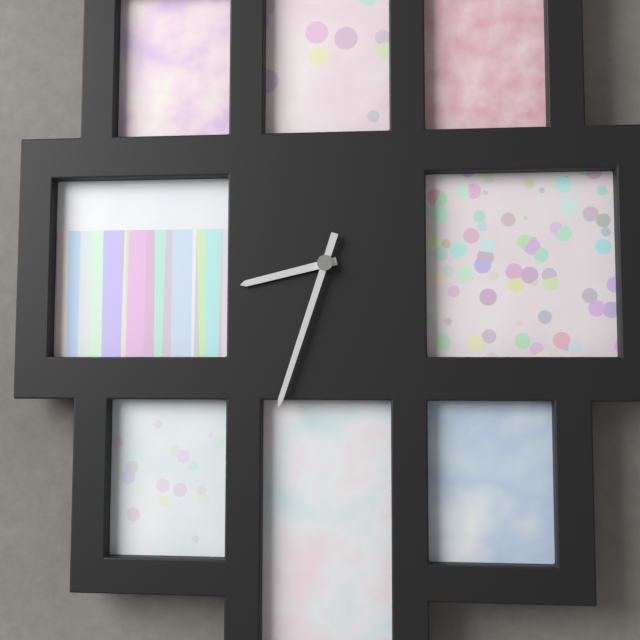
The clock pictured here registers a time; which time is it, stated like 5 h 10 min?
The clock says 8 h 33 min
